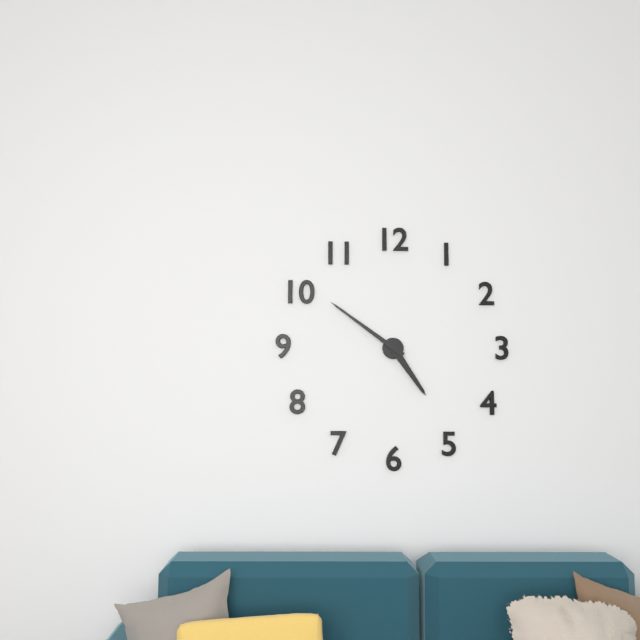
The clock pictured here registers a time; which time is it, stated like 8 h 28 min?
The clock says 4 h 51 min
